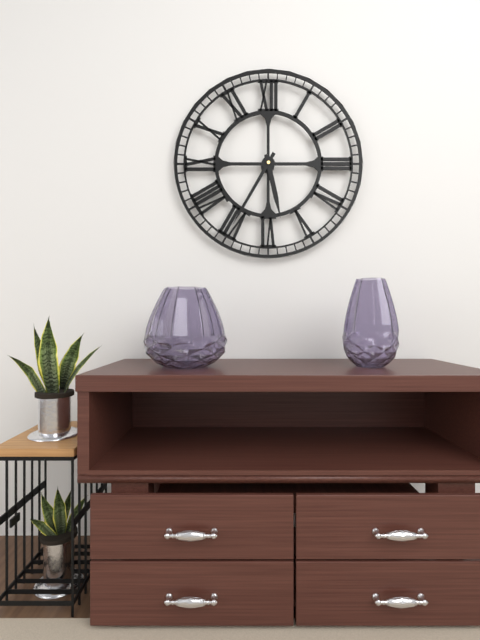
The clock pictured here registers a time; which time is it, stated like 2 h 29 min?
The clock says 5 h 35 min
